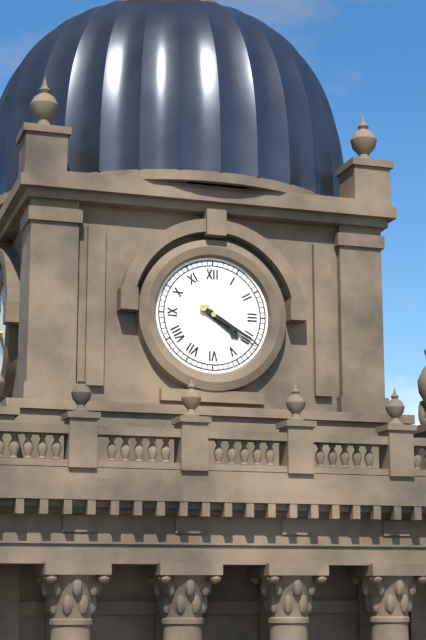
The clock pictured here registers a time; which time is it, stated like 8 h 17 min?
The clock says 4 h 20 min
